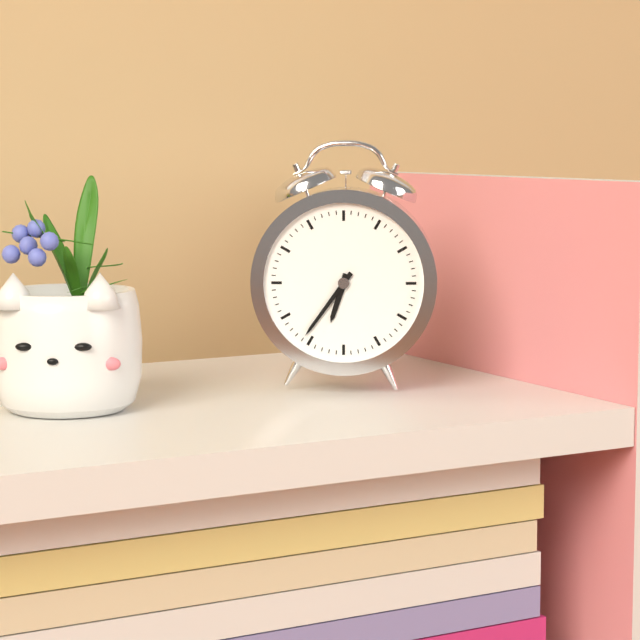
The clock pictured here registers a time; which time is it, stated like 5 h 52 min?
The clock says 6 h 36 min
